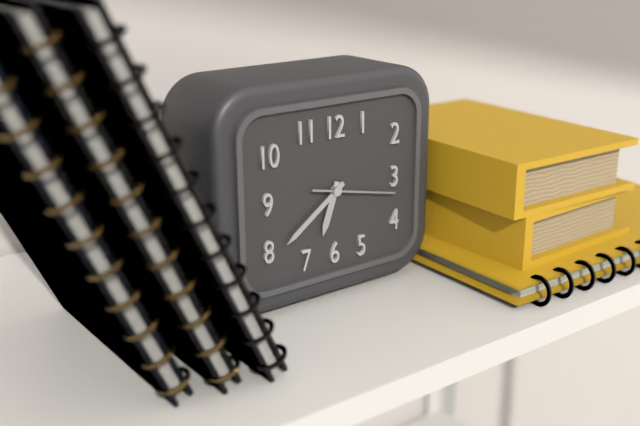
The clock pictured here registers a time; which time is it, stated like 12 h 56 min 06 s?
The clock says 6 h 39 min 17 s
